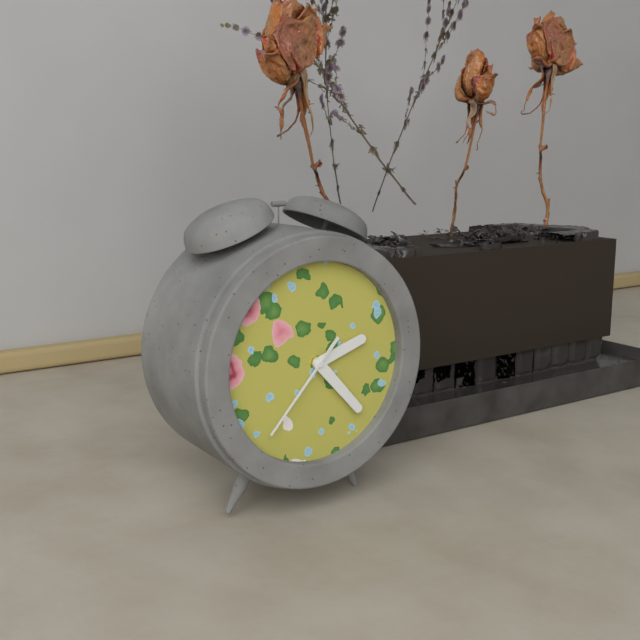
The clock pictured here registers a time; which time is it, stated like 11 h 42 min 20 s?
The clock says 2 h 23 min 37 s
